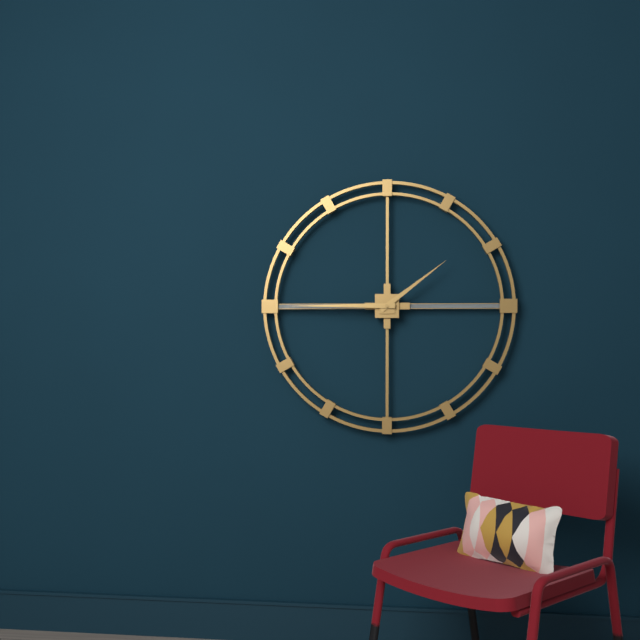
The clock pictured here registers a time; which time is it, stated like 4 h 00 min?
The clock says 1 h 45 min
